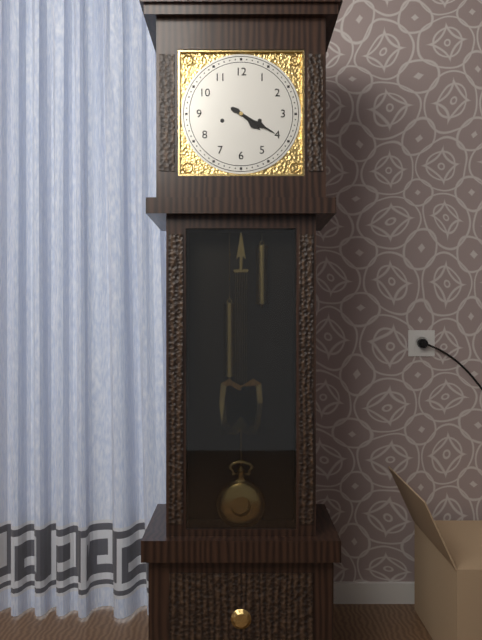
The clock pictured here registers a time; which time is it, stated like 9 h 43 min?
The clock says 4 h 20 min
